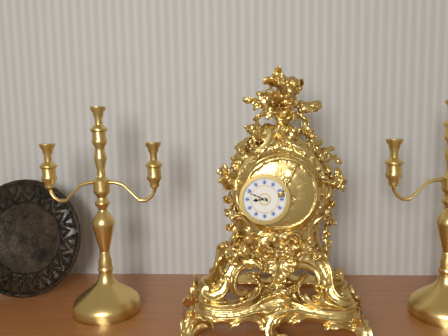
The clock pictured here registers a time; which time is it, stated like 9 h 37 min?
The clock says 8 h 49 min
